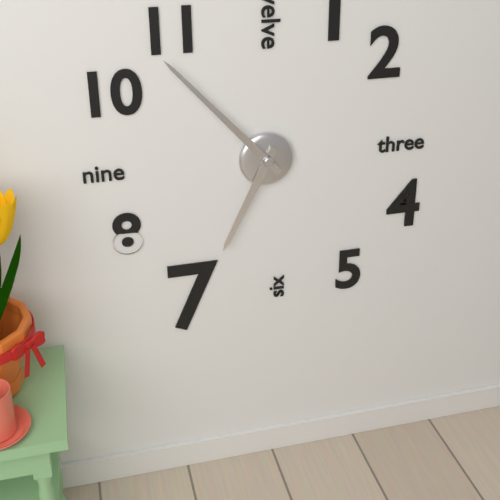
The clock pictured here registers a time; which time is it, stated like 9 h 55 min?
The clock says 6 h 53 min
